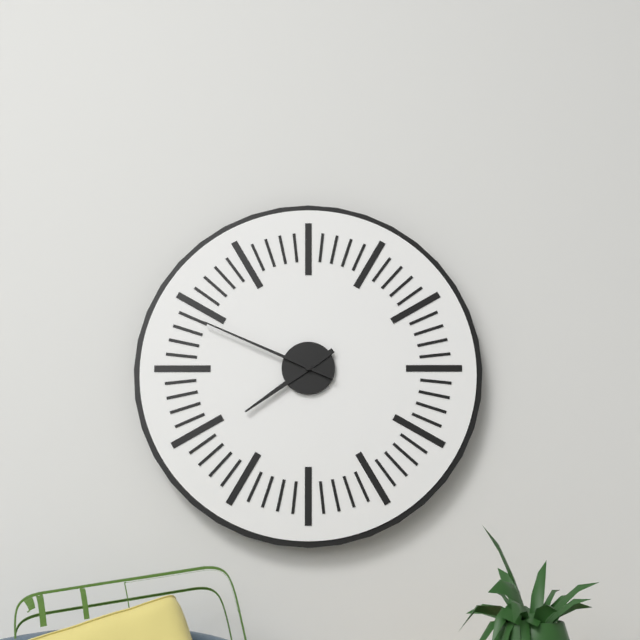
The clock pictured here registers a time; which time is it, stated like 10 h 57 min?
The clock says 7 h 49 min
